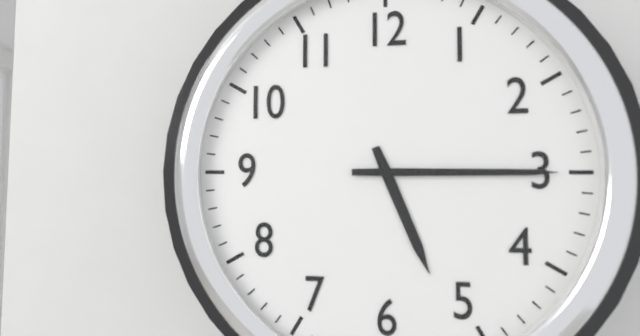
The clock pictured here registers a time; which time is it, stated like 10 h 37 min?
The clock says 5 h 15 min
